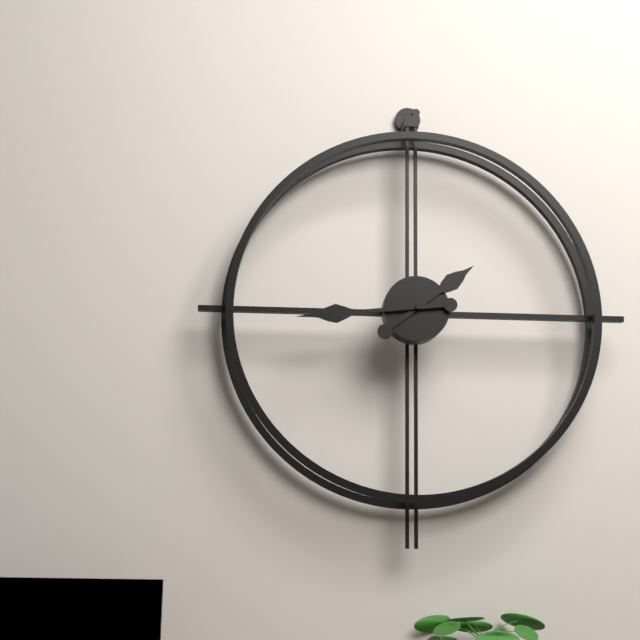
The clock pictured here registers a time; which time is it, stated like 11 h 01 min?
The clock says 1 h 44 min
